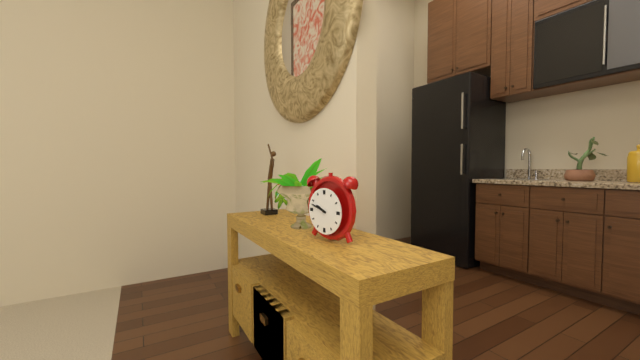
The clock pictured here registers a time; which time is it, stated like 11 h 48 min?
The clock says 9 h 48 min
